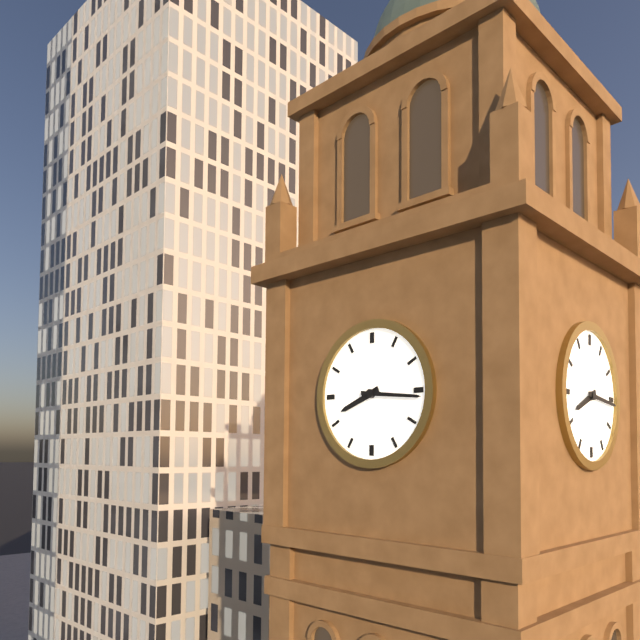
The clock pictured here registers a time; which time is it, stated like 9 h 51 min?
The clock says 8 h 16 min
